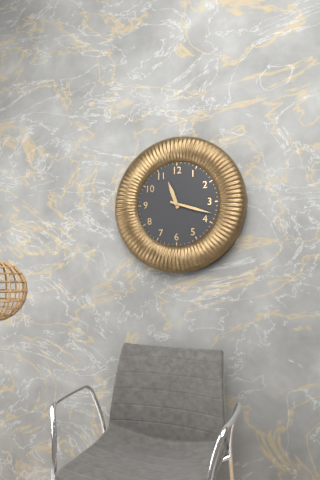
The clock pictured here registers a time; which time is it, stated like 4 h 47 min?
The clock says 11 h 18 min
